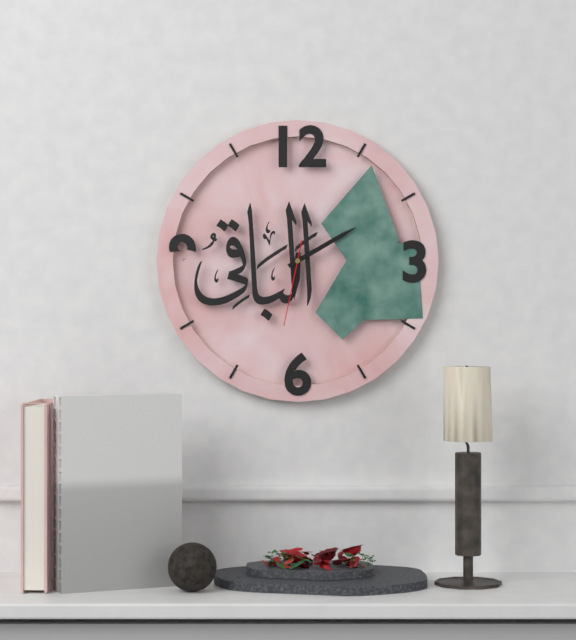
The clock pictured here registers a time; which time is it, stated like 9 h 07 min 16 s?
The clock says 6 h 10 min 32 s
